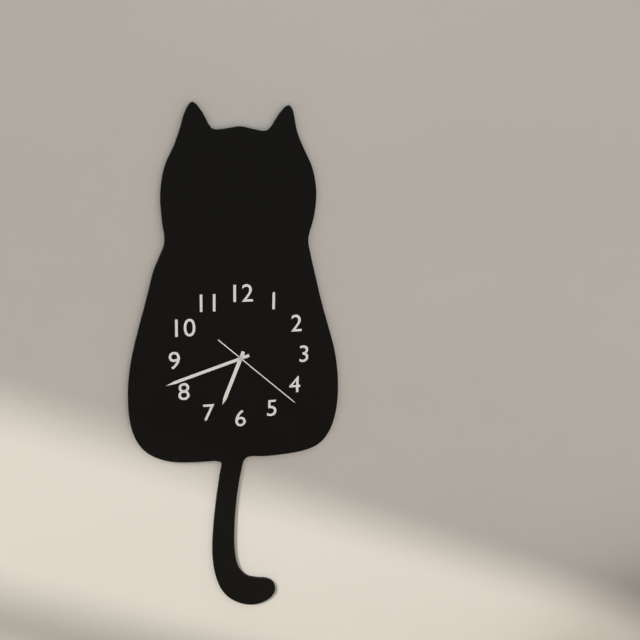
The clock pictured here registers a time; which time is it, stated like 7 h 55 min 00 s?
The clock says 6 h 42 min 22 s
